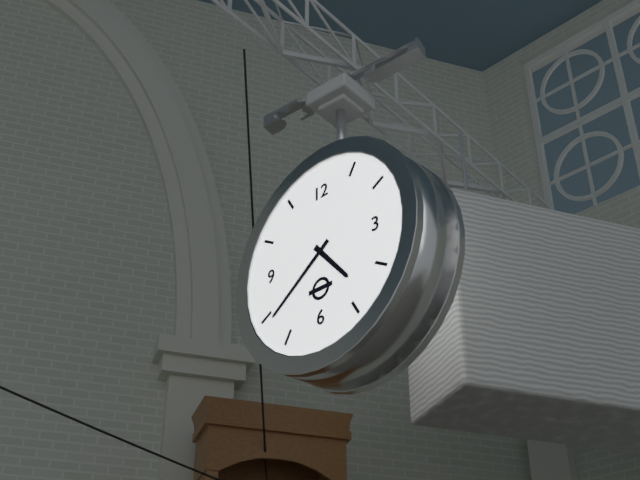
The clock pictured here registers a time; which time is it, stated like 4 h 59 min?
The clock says 4 h 39 min
